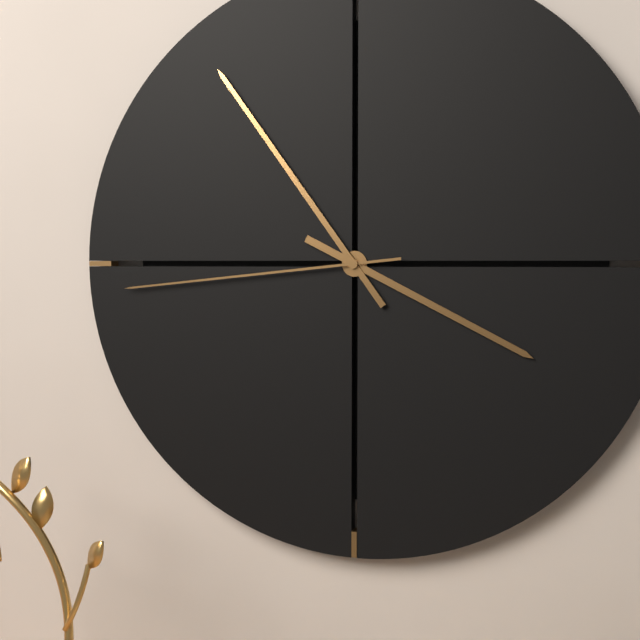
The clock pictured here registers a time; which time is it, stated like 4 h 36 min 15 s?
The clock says 3 h 54 min 44 s
